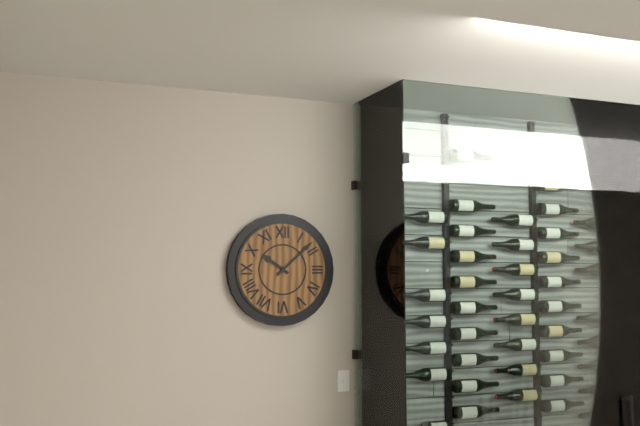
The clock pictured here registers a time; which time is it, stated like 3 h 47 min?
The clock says 10 h 08 min
